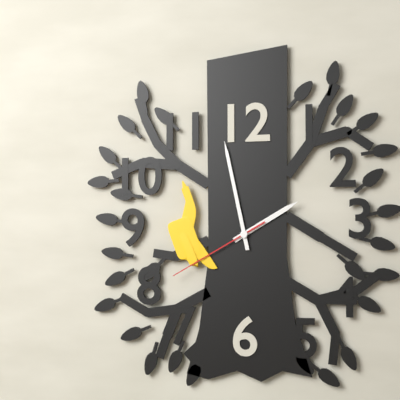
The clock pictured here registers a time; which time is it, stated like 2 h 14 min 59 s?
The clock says 1 h 58 min 40 s
